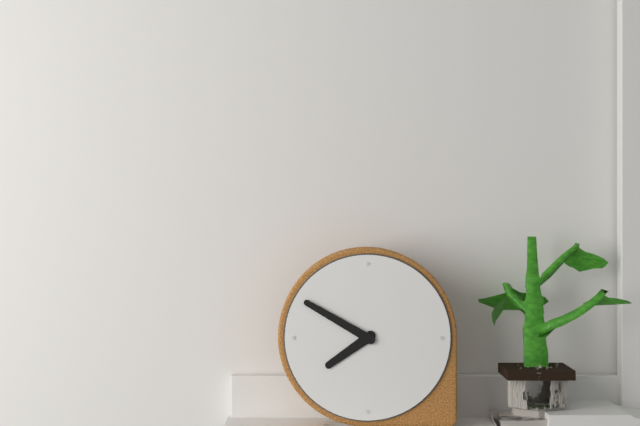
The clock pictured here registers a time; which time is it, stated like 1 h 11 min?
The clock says 7 h 50 min
